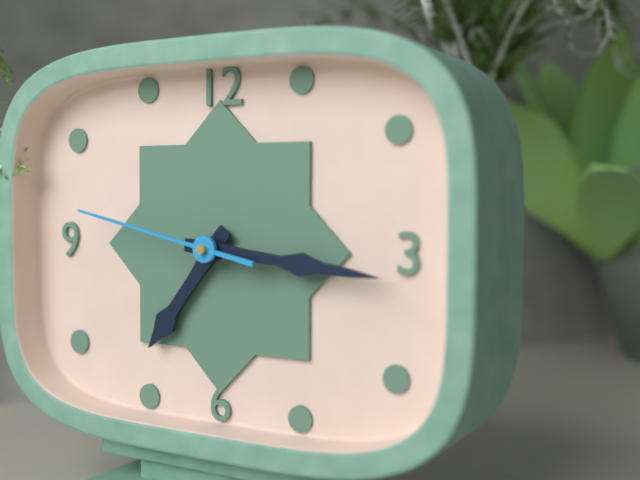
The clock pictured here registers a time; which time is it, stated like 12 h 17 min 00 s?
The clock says 7 h 16 min 47 s
